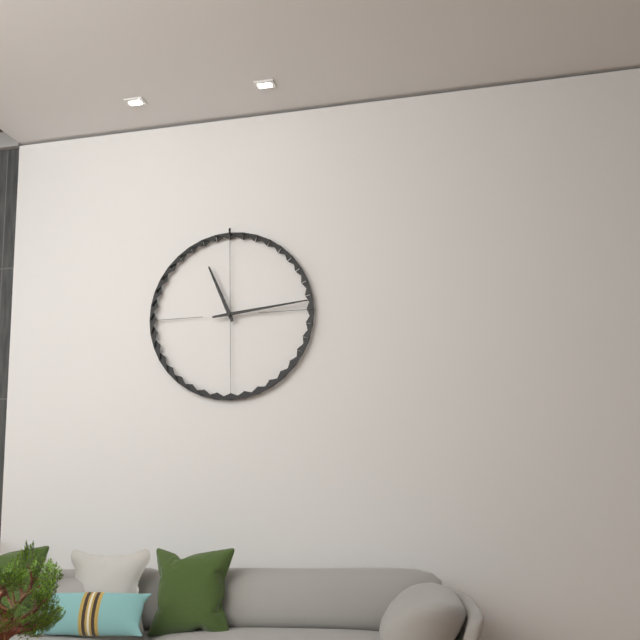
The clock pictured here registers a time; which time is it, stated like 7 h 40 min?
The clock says 11 h 14 min
